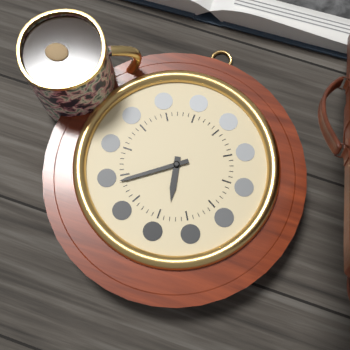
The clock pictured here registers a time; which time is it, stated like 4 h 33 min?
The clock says 5 h 39 min
